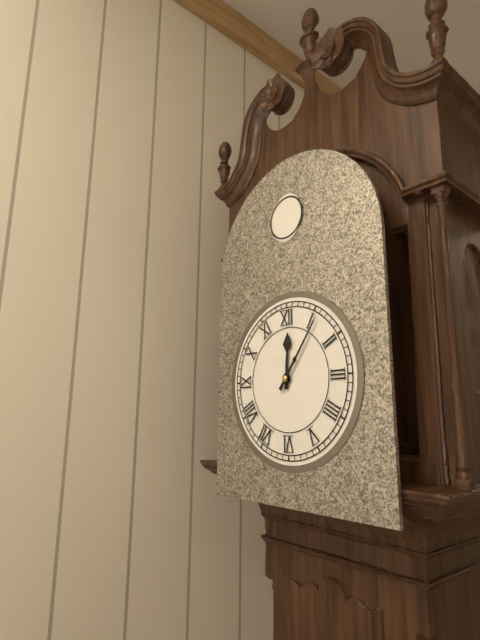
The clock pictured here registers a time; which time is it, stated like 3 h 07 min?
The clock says 12 h 06 min
